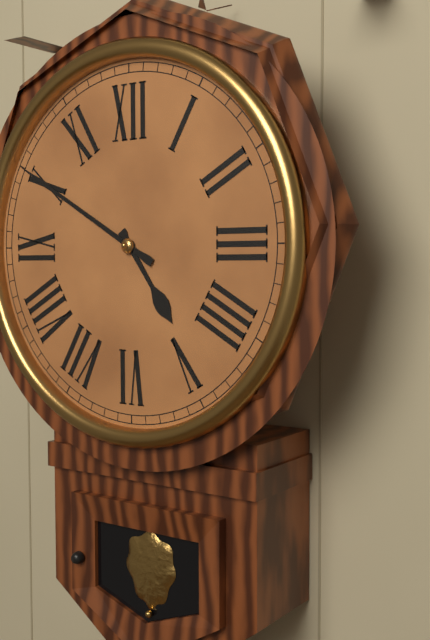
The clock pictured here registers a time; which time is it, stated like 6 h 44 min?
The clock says 4 h 50 min
